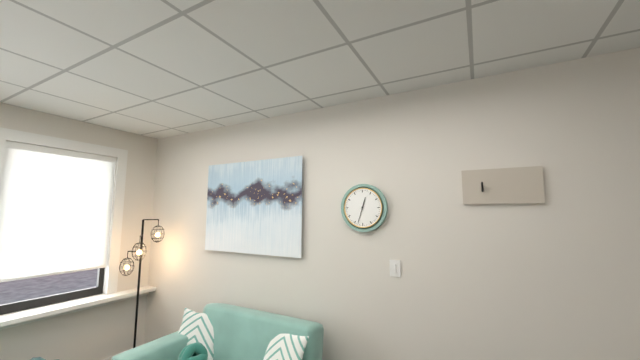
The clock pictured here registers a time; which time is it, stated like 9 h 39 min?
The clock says 12 h 33 min
